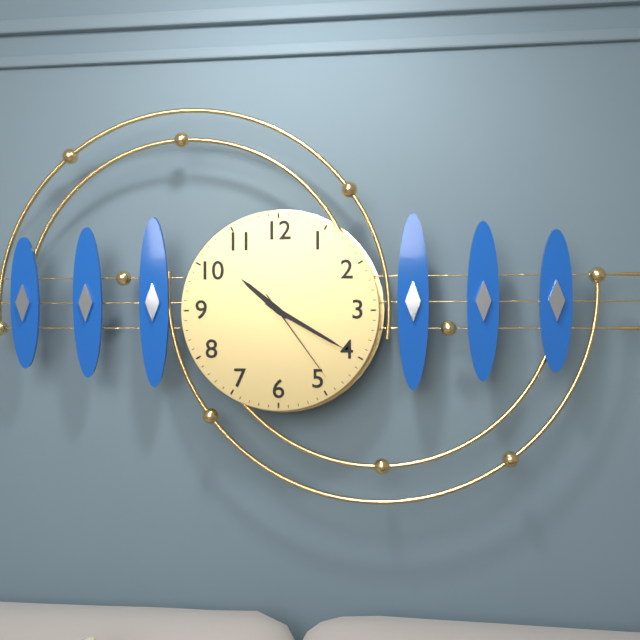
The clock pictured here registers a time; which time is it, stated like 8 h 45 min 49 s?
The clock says 10 h 20 min 24 s
